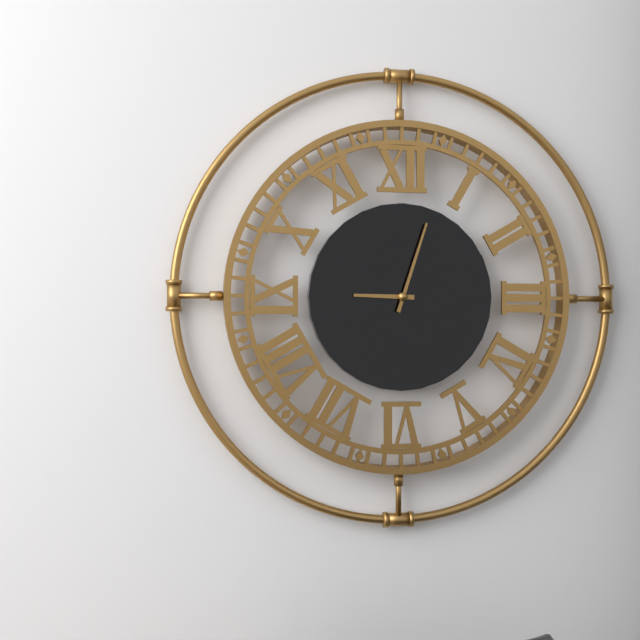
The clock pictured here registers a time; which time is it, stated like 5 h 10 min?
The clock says 9 h 03 min
